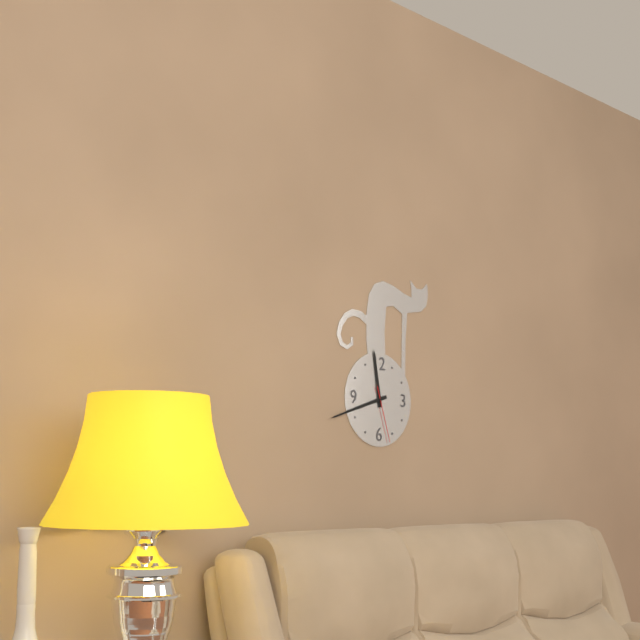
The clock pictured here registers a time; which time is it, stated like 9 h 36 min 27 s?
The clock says 11 h 42 min 27 s
